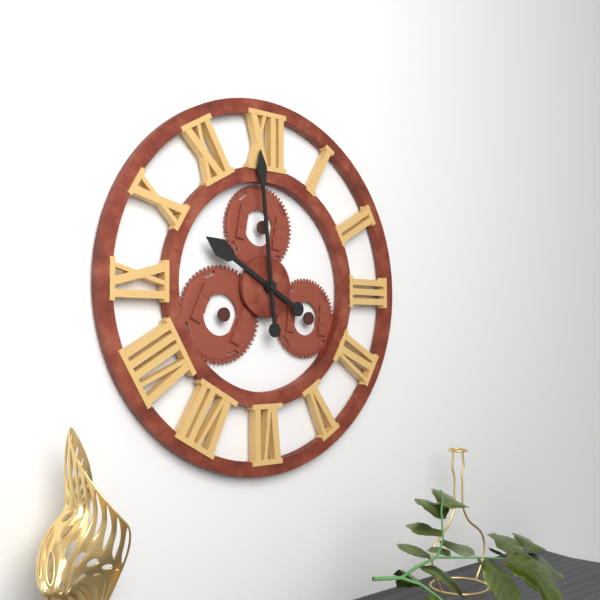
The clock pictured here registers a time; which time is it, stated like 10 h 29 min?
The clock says 9 h 59 min
